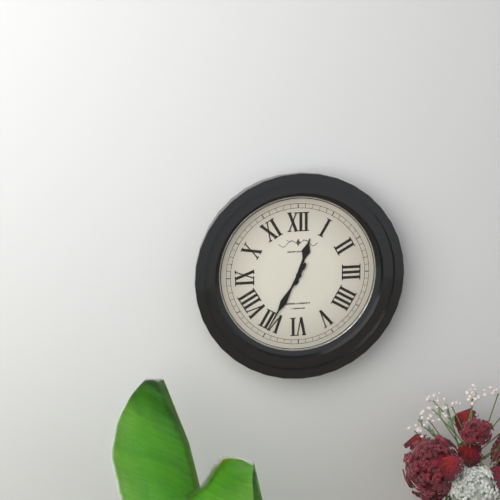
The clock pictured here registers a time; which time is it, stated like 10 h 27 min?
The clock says 12 h 35 min
